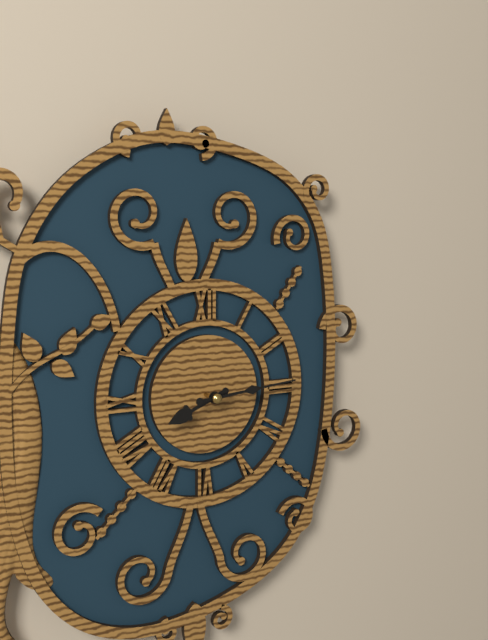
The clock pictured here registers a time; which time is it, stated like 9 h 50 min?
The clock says 8 h 14 min
